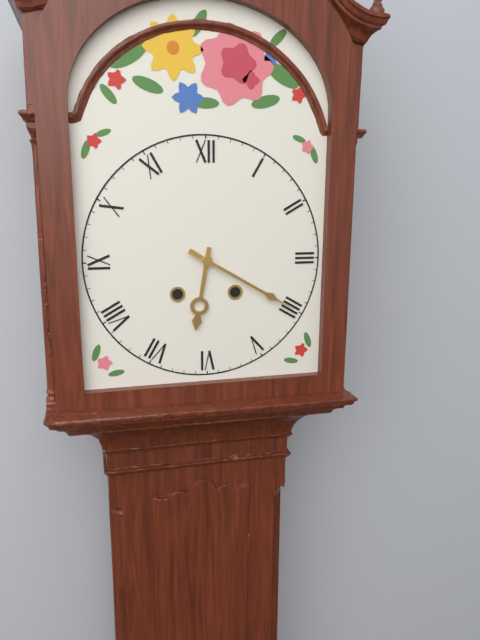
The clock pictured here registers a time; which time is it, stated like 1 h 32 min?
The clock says 6 h 20 min
